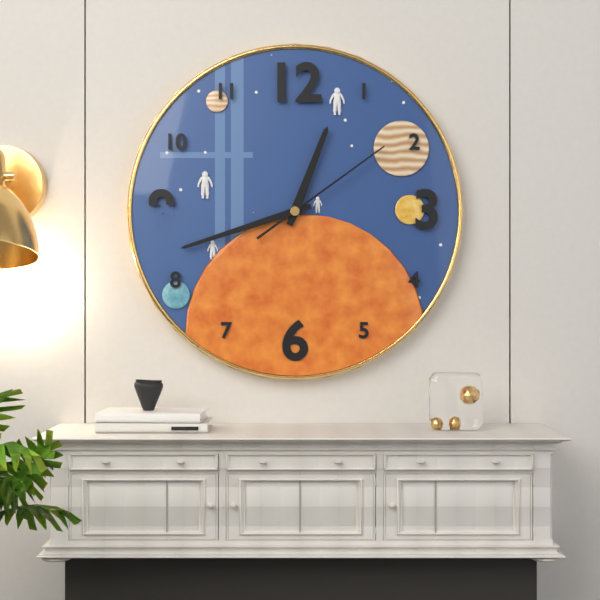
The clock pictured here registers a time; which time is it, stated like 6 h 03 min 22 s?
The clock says 12 h 42 min 09 s
